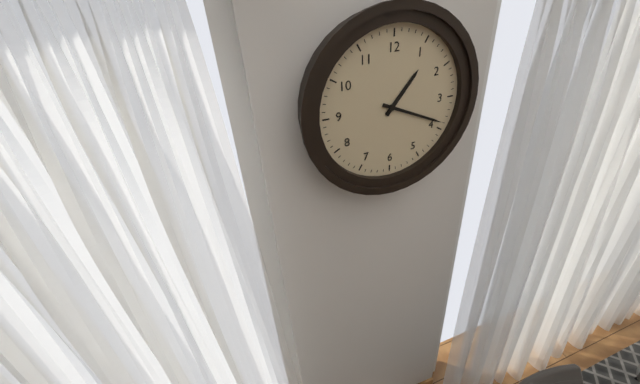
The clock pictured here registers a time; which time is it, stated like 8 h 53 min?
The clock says 1 h 19 min
